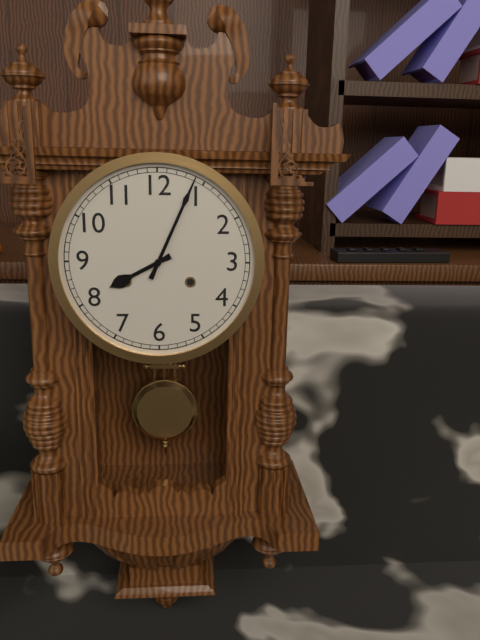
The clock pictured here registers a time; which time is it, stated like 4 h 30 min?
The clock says 8 h 04 min
